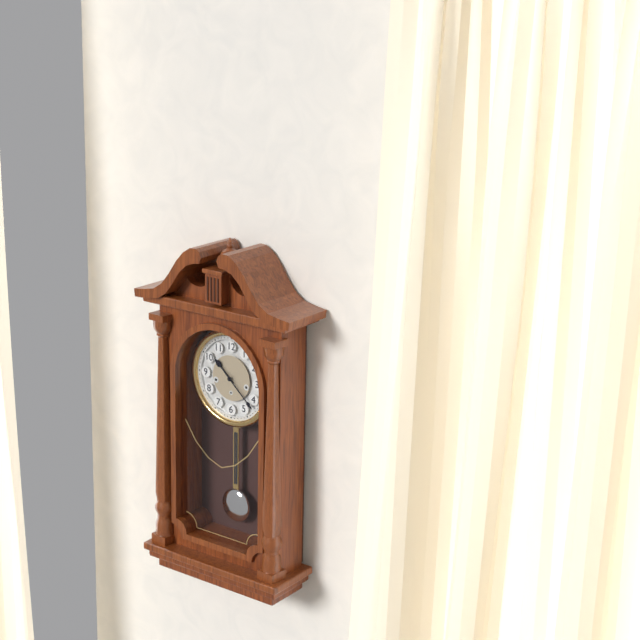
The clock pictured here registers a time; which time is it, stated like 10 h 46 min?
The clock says 10 h 22 min
